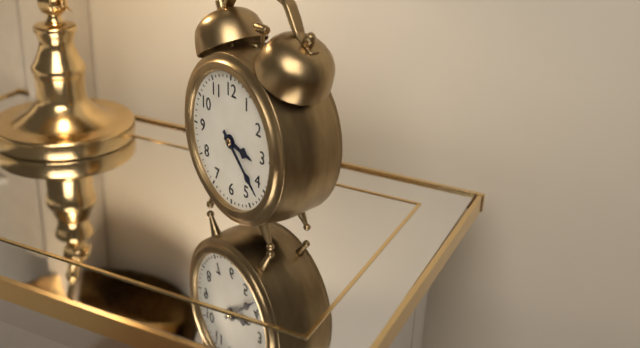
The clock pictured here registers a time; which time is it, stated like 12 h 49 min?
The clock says 3 h 22 min
